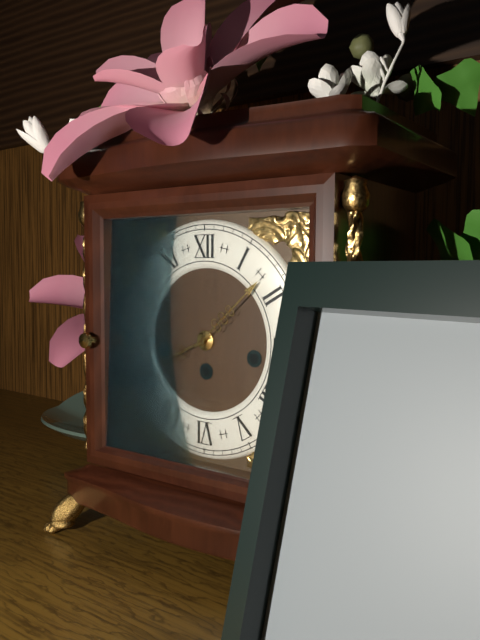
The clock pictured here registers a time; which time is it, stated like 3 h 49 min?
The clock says 8 h 08 min
